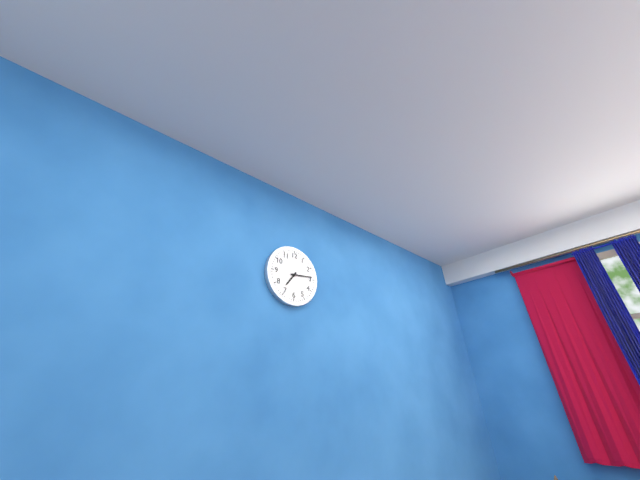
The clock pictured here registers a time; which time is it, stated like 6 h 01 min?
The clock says 7 h 14 min
